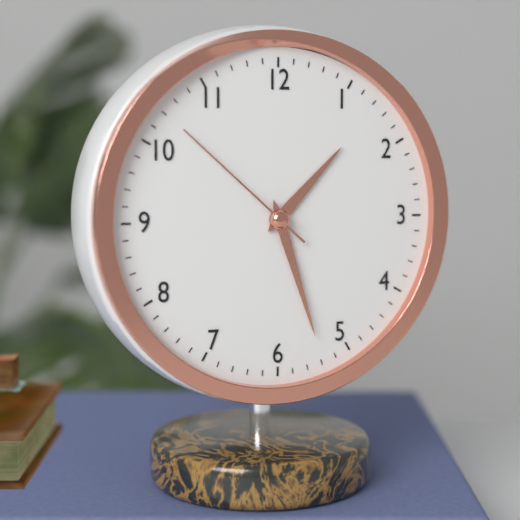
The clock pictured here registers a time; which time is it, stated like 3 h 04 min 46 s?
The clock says 1 h 27 min 52 s
